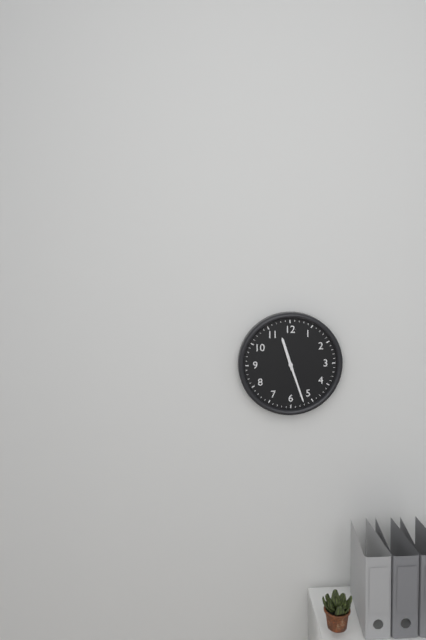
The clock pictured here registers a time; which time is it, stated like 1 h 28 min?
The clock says 11 h 27 min
